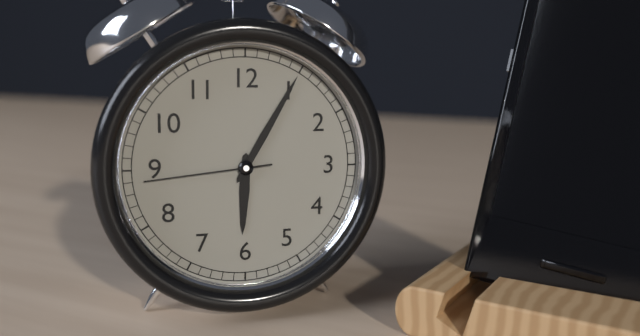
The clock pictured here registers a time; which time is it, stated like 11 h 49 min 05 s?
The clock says 6 h 05 min 44 s
